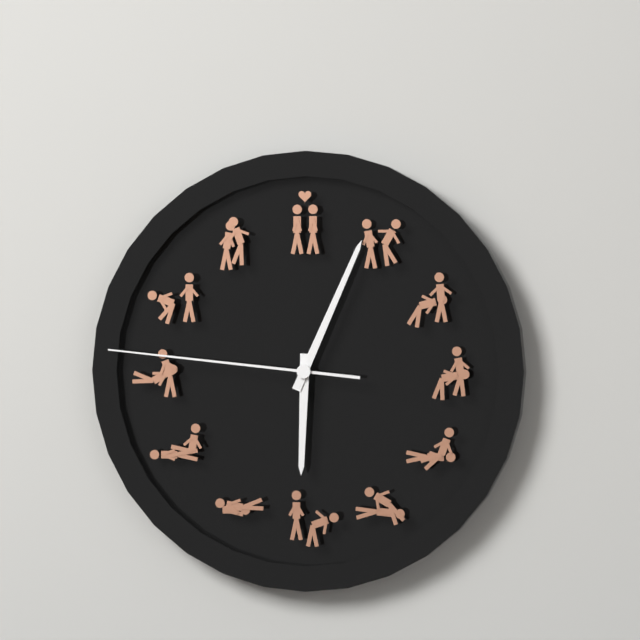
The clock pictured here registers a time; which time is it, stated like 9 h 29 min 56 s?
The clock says 6 h 04 min 46 s
